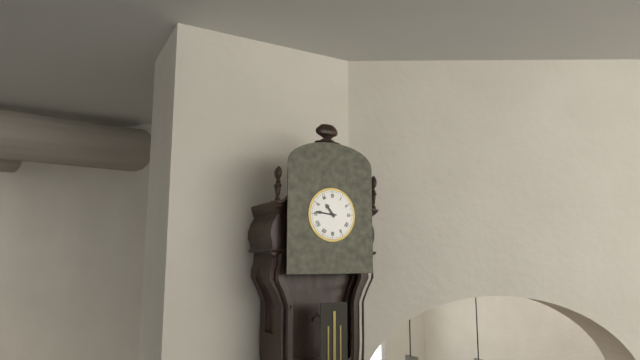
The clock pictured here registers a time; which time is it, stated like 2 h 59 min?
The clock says 10 h 46 min
